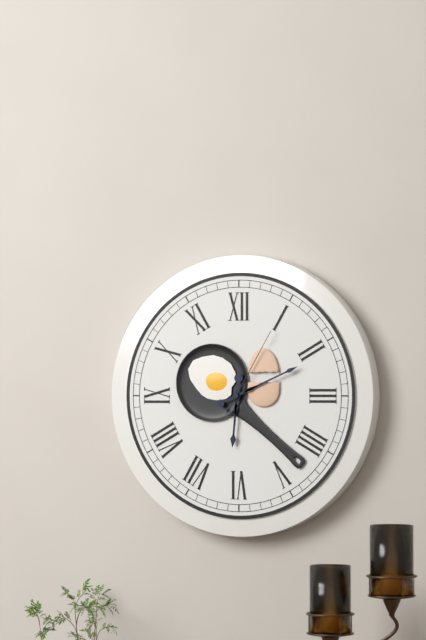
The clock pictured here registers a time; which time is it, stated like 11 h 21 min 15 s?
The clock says 6 h 11 min 05 s
